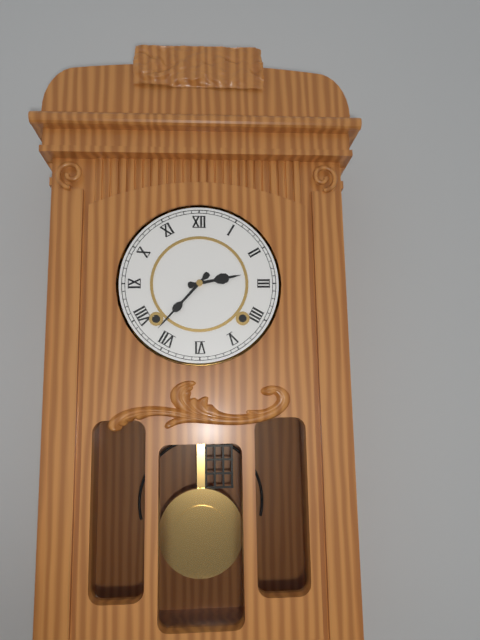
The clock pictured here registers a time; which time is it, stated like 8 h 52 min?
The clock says 2 h 37 min
